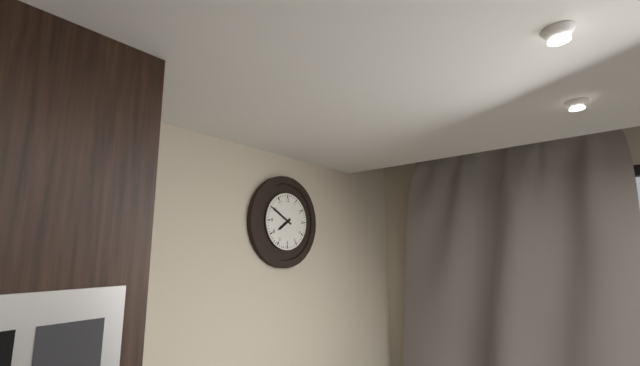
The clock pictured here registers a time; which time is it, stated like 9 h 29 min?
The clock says 7 h 50 min
